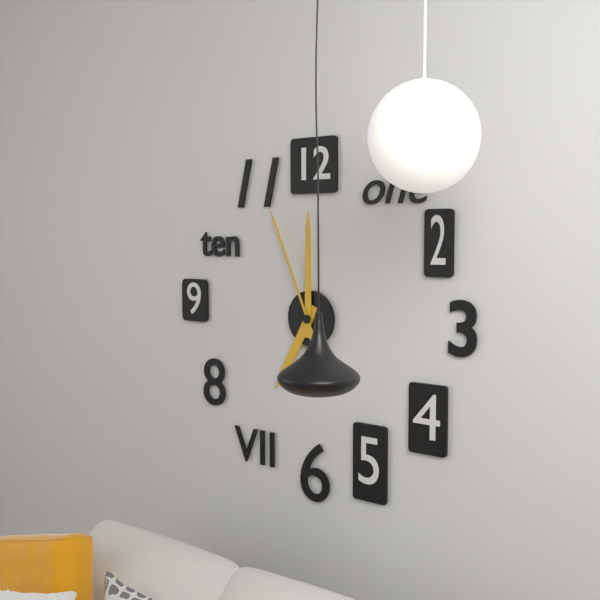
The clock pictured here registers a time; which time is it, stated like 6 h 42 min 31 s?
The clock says 7 h 00 min 56 s
